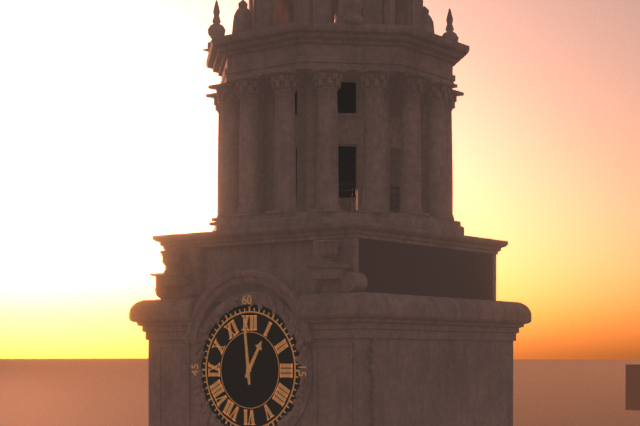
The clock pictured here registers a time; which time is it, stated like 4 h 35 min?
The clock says 12 h 59 min
